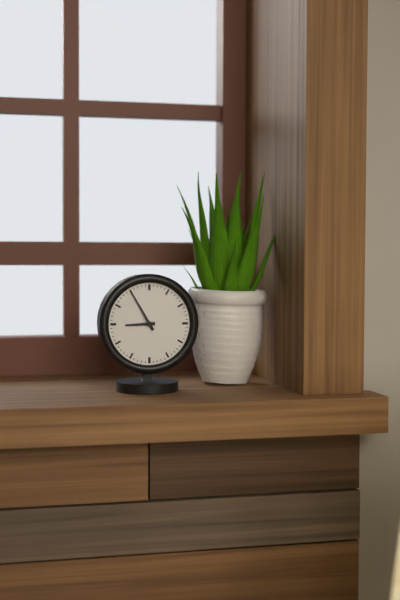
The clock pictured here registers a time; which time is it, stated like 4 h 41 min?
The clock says 8 h 55 min
